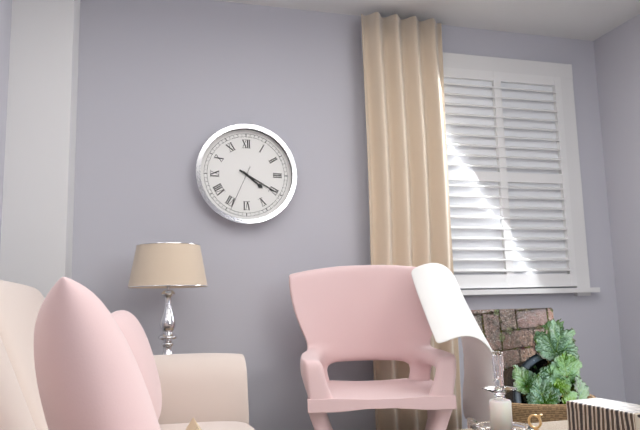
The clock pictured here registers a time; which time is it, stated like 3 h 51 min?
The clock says 4 h 20 min
